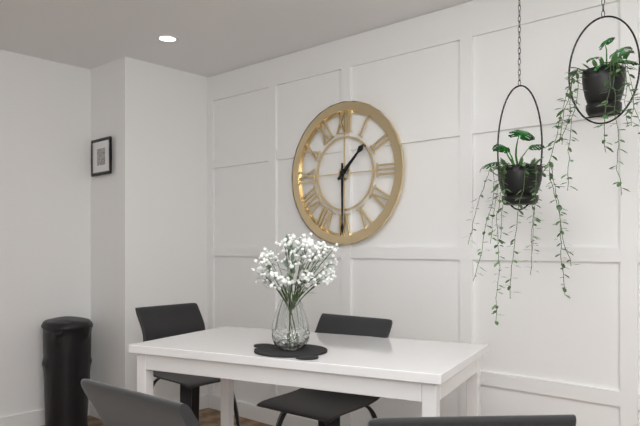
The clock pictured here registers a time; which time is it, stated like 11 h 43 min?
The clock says 1 h 30 min
